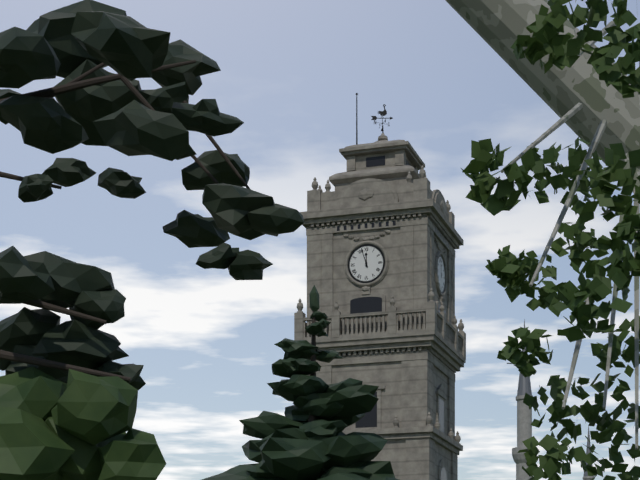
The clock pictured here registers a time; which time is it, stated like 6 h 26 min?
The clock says 11 h 57 min
